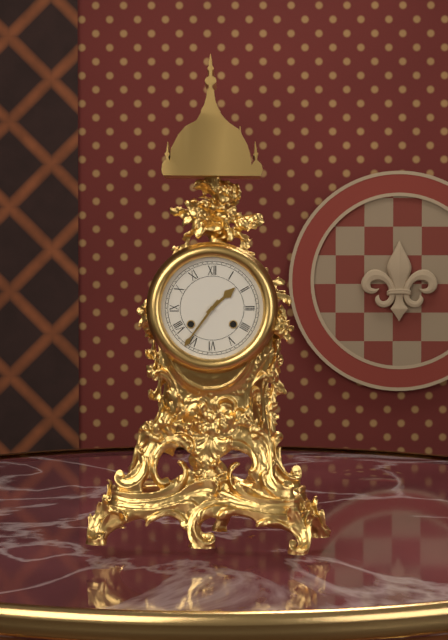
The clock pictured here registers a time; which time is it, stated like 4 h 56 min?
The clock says 1 h 36 min
